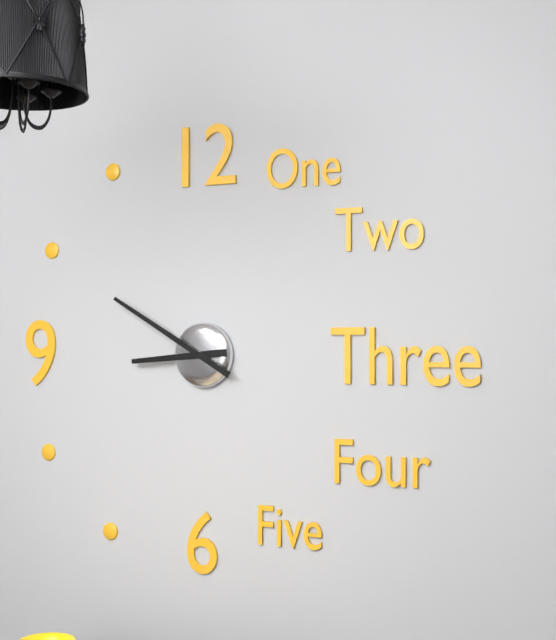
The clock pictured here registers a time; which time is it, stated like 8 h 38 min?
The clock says 8 h 50 min
